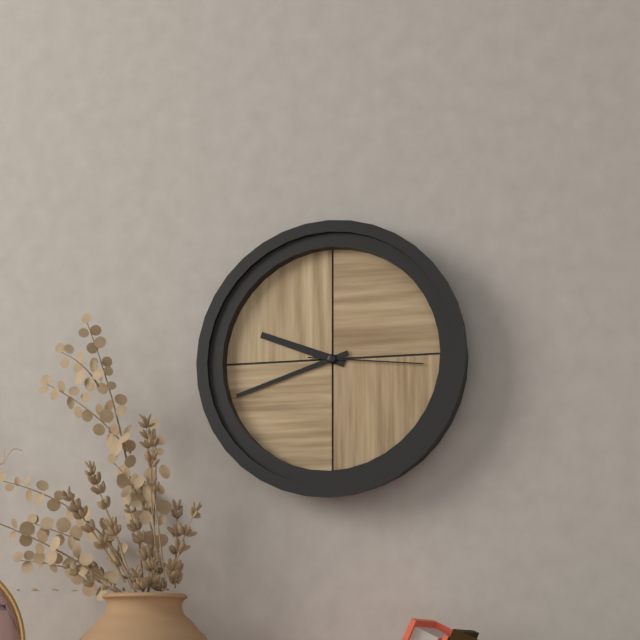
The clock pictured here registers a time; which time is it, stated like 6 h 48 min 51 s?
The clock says 9 h 42 min 16 s
